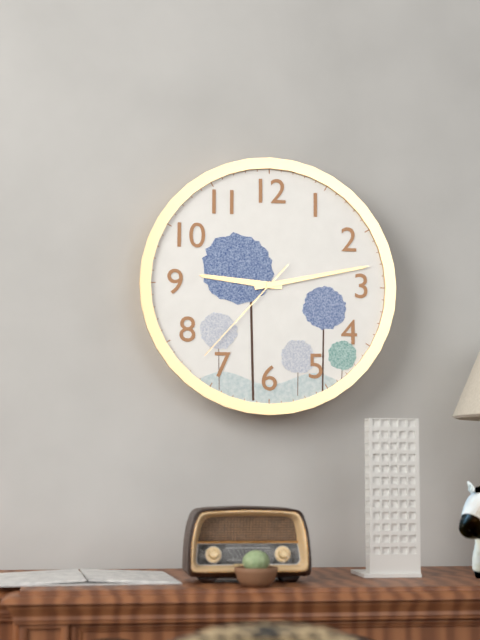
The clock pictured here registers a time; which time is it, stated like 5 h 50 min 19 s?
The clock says 9 h 13 min 37 s
